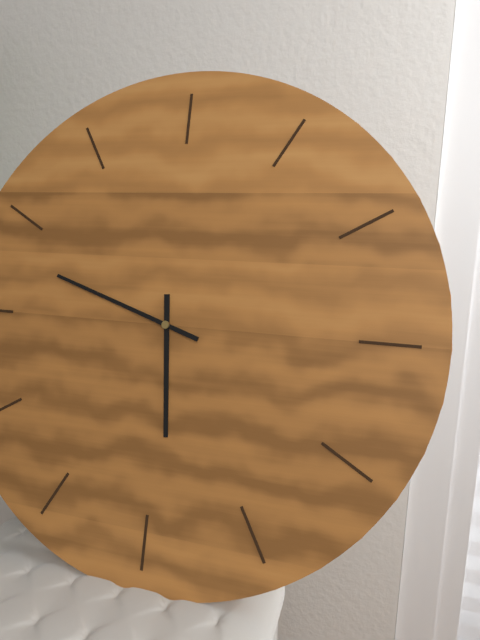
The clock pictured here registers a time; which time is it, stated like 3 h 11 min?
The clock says 5 h 48 min
